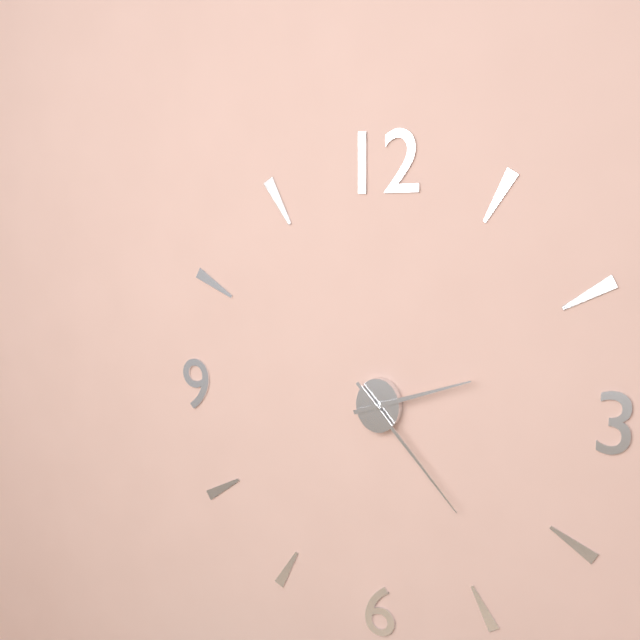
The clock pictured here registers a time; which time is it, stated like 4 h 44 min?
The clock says 2 h 23 min
